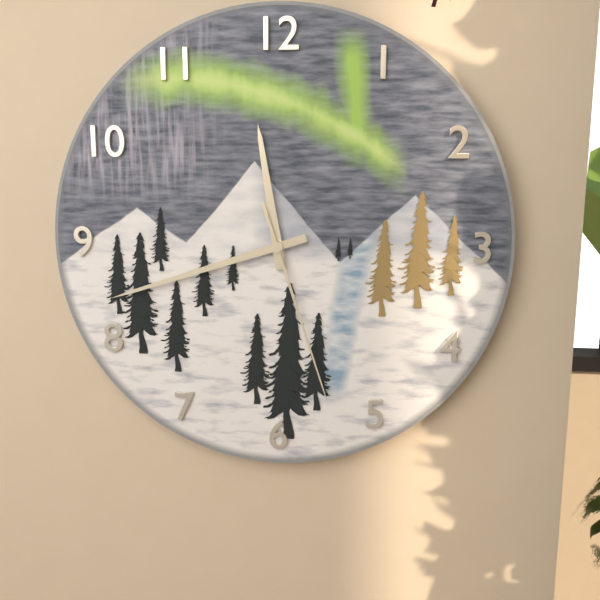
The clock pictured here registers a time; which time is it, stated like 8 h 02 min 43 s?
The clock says 11 h 42 min 27 s
